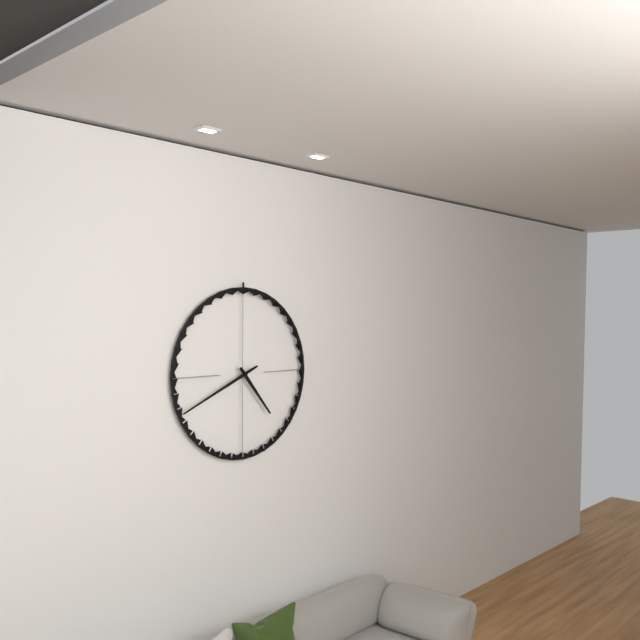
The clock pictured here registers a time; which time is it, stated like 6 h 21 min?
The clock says 4 h 41 min
